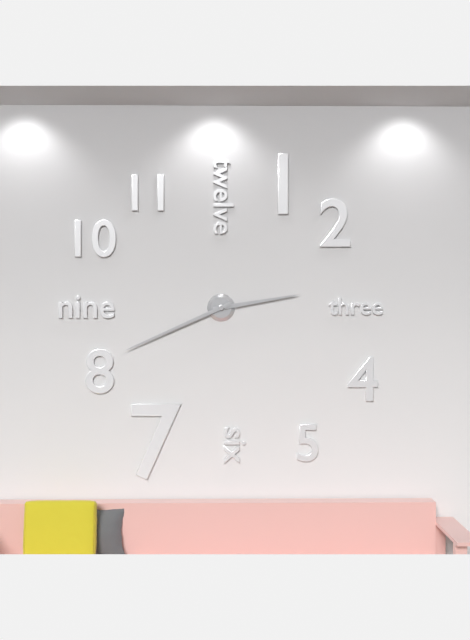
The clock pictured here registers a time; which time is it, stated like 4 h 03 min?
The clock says 2 h 41 min
